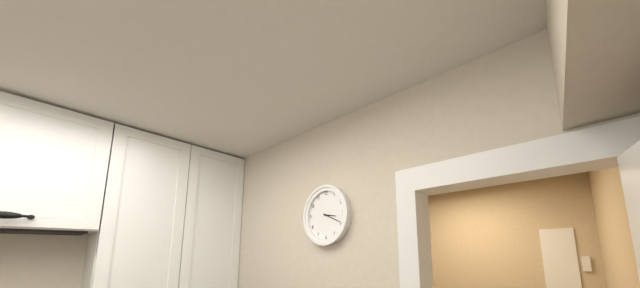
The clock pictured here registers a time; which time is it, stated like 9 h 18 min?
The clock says 3 h 19 min
